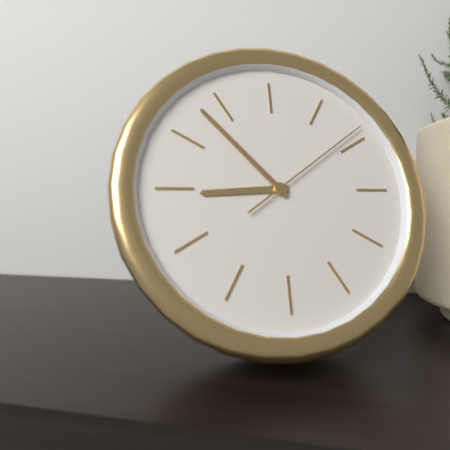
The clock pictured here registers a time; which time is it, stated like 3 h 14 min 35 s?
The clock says 8 h 53 min 09 s
